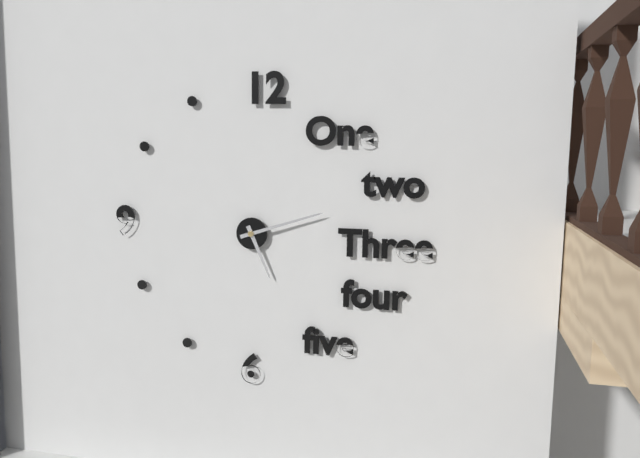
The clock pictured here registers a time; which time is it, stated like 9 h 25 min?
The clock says 5 h 12 min
